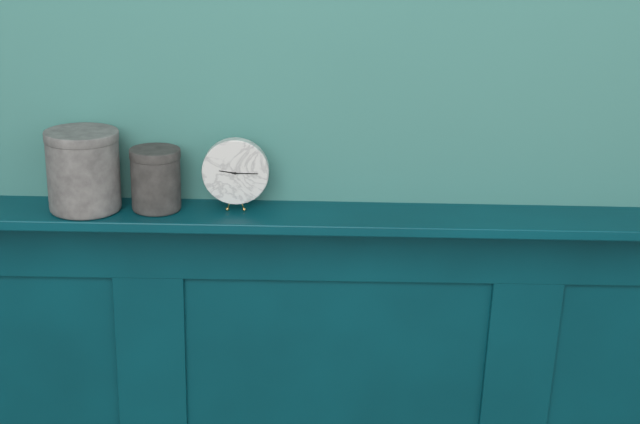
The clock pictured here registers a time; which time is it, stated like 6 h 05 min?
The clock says 9 h 15 min
